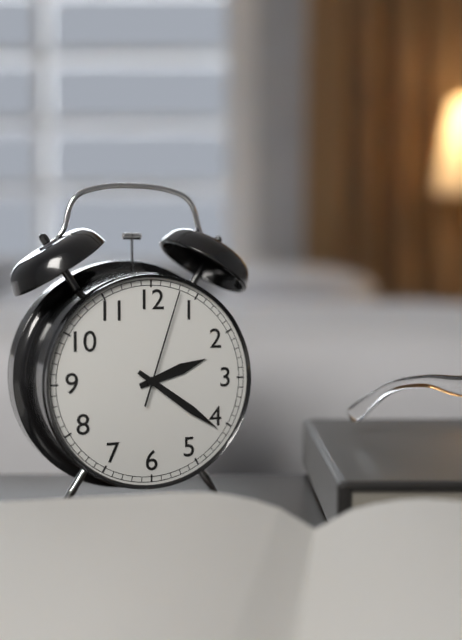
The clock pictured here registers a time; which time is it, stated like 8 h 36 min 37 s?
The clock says 2 h 21 min 03 s
